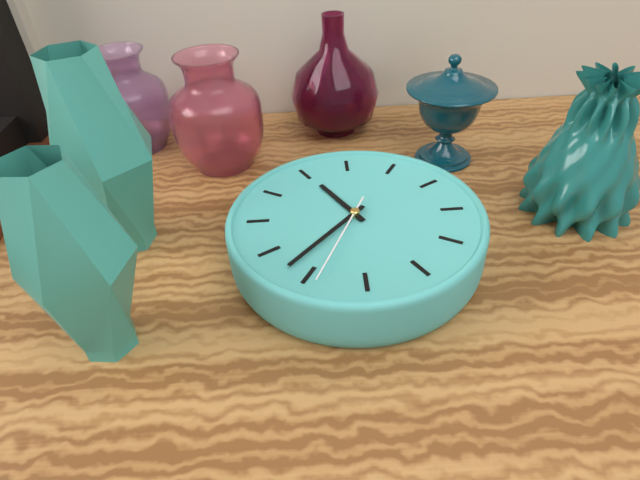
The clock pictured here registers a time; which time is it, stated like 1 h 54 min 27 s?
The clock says 4 h 02 min 59 s
